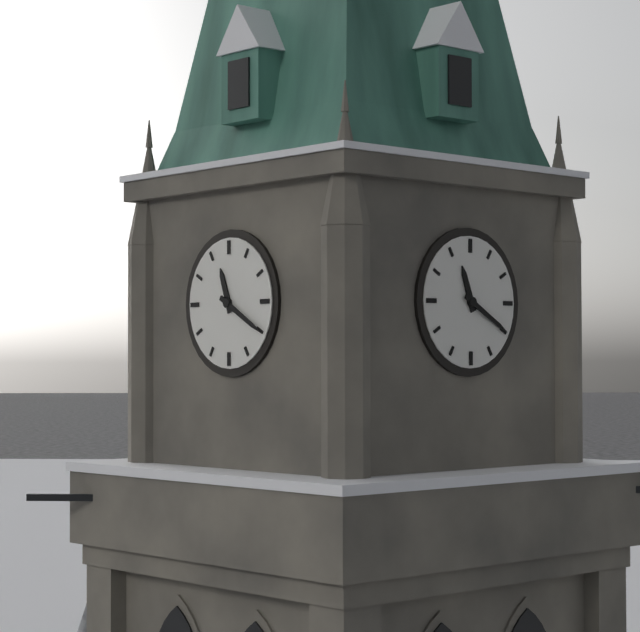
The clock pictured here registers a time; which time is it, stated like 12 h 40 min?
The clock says 11 h 20 min
